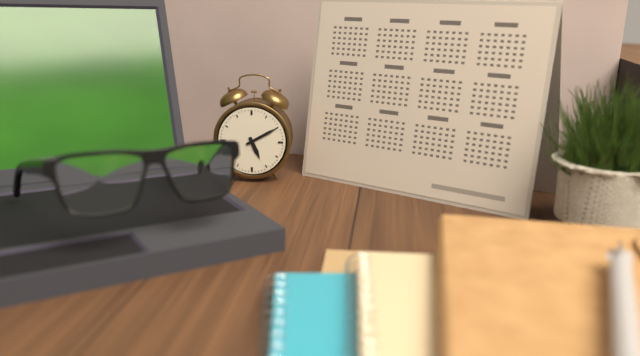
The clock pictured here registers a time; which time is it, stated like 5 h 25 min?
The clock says 5 h 10 min
